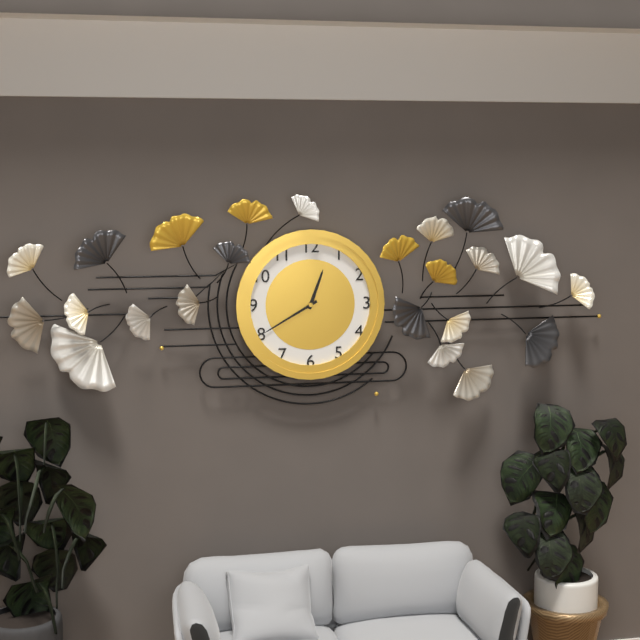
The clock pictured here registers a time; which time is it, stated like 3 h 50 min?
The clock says 12 h 40 min
